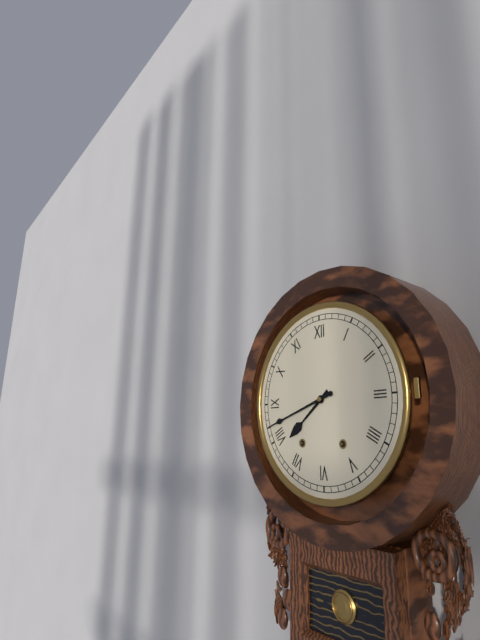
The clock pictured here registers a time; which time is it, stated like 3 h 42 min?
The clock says 7 h 42 min
